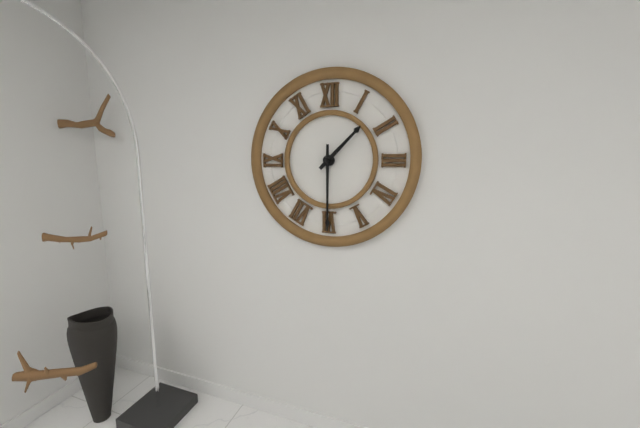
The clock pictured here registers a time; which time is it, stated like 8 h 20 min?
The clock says 1 h 30 min
